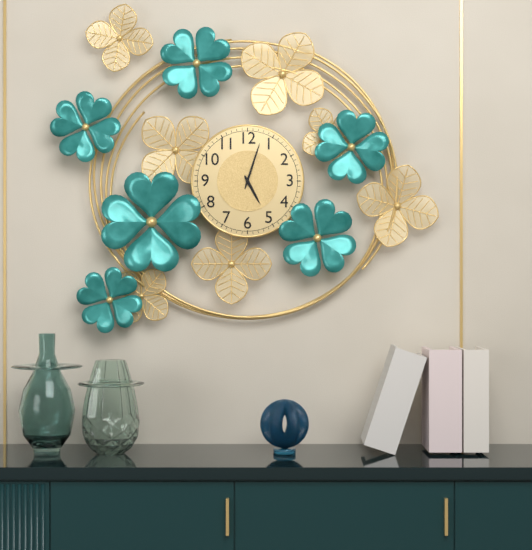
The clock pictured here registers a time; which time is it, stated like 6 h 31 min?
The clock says 5 h 03 min
